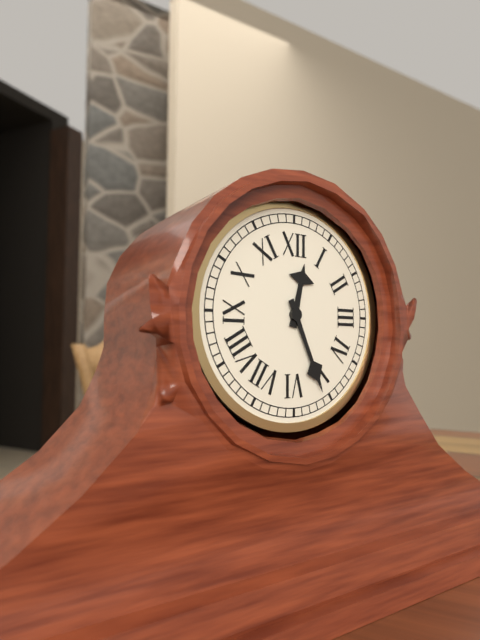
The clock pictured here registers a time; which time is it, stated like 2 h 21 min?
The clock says 12 h 26 min
